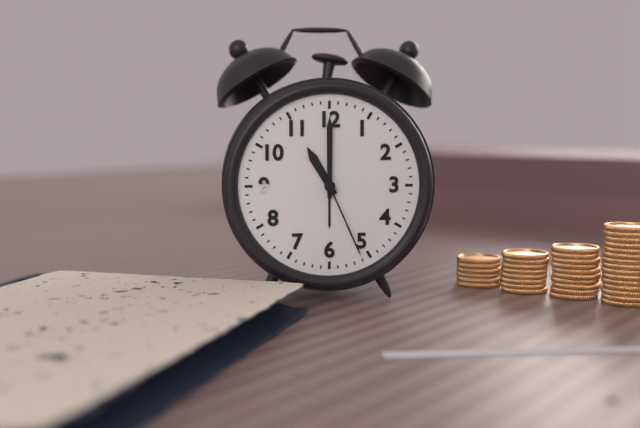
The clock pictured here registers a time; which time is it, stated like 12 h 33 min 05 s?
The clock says 11 h 00 min 26 s
